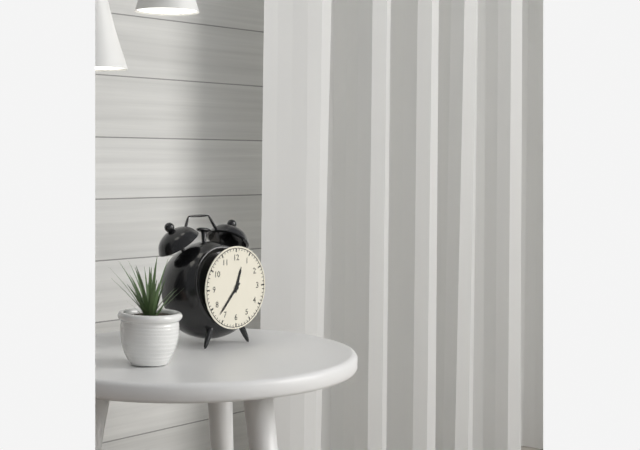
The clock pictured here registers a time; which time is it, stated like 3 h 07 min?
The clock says 12 h 37 min
